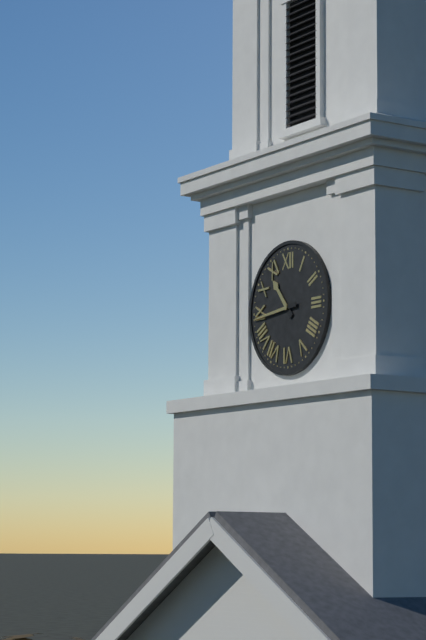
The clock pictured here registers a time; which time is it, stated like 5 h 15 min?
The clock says 10 h 44 min
